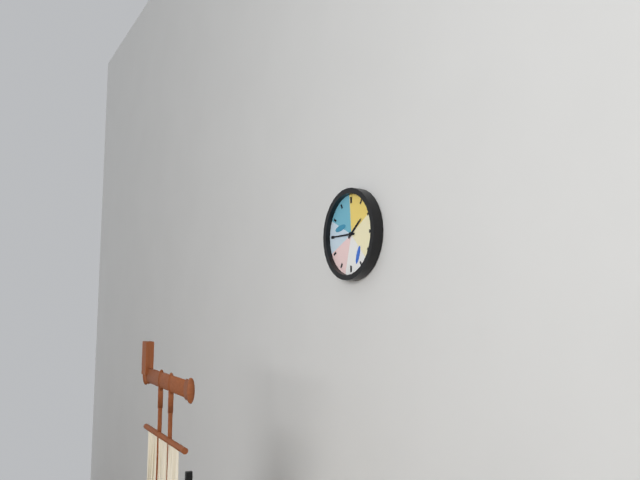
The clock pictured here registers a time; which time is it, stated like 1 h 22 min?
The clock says 1 h 45 min
